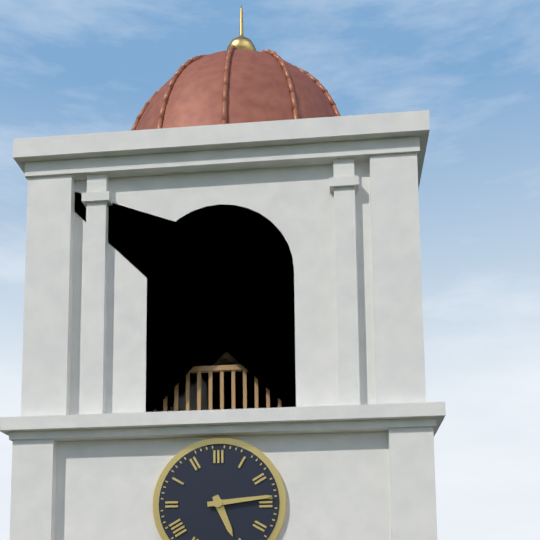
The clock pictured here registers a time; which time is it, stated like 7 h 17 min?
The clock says 5 h 14 min
